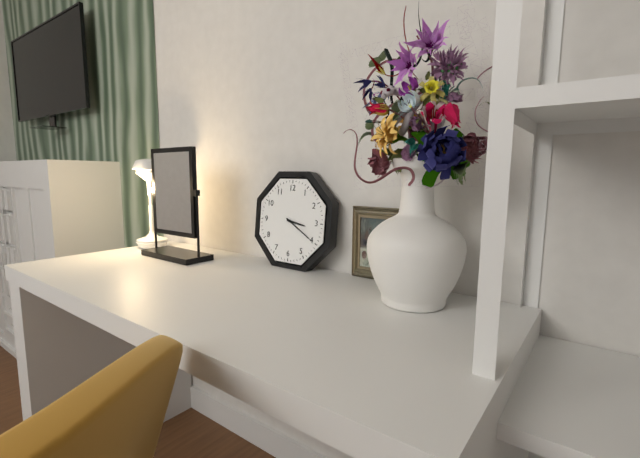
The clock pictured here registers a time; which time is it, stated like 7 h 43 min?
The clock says 3 h 20 min
